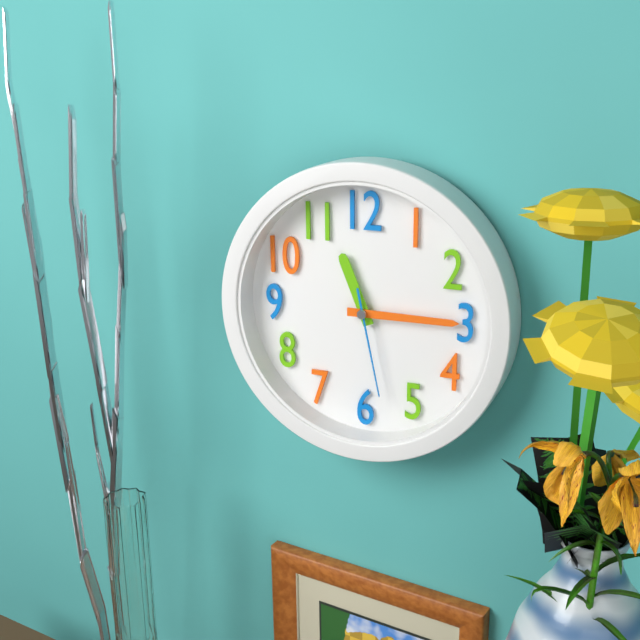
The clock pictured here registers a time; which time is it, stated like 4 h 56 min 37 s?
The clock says 11 h 15 min 28 s
